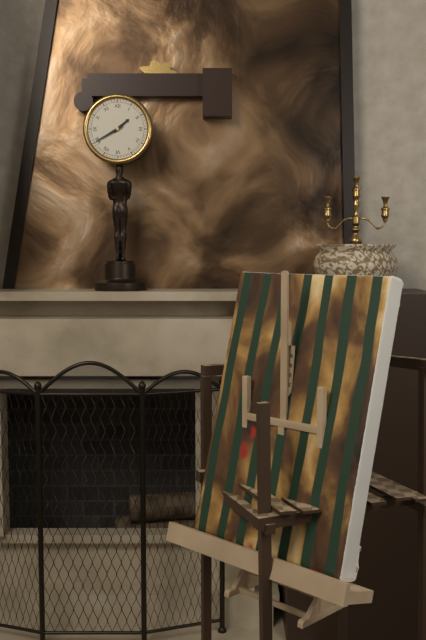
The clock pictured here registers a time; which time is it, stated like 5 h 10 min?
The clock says 1 h 40 min
